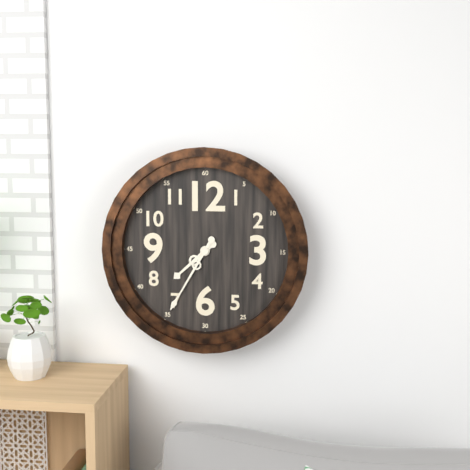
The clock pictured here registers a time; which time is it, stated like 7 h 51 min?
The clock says 7 h 35 min
